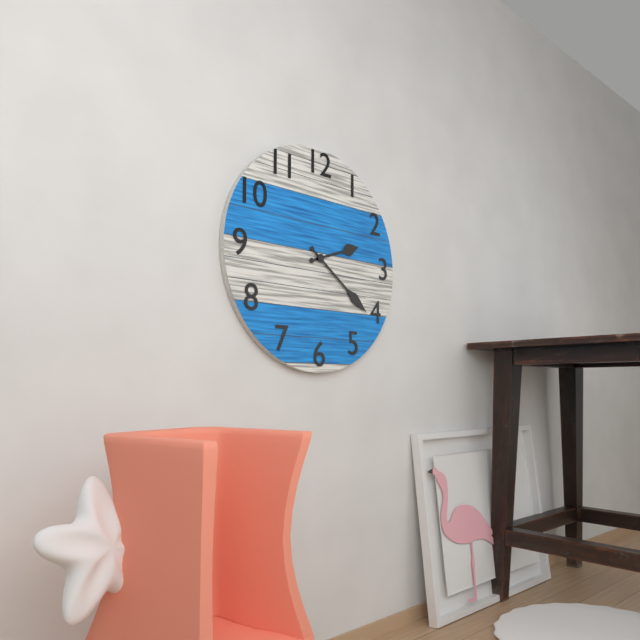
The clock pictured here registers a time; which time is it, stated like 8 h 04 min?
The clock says 2 h 21 min
